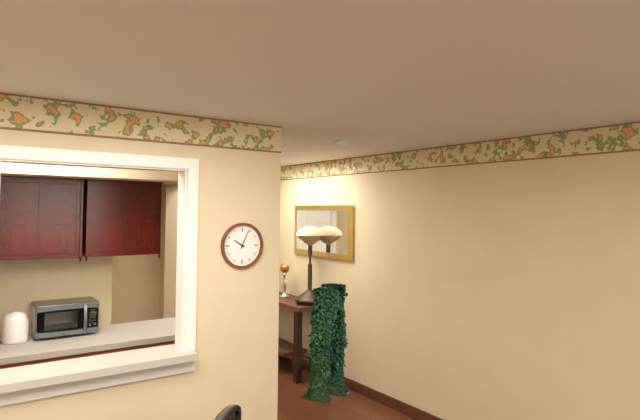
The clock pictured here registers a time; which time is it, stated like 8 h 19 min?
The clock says 10 h 04 min
